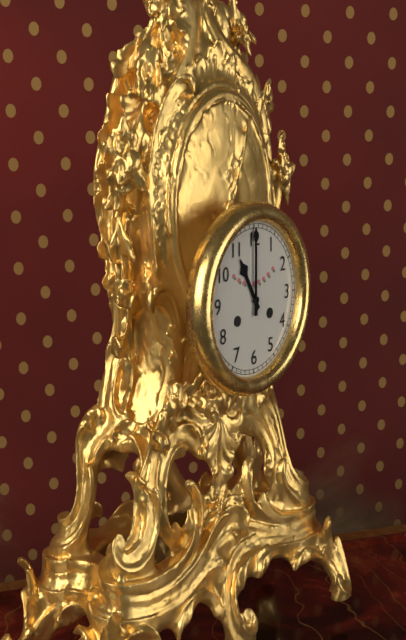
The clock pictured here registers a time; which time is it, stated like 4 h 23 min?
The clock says 11 h 00 min
